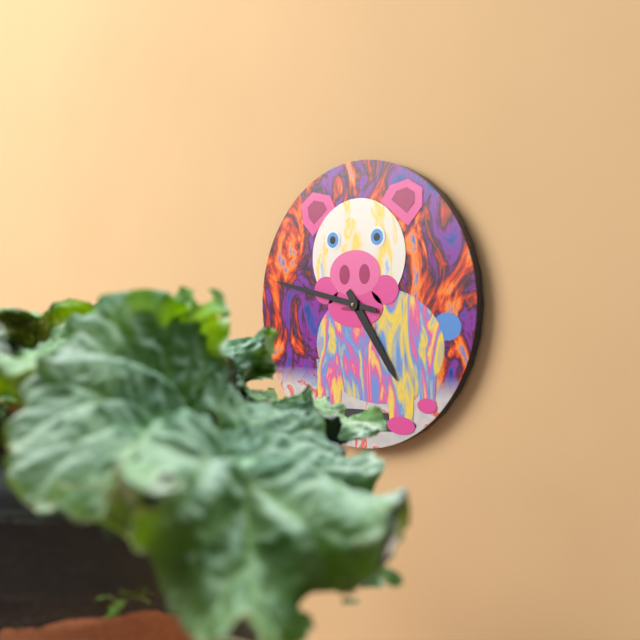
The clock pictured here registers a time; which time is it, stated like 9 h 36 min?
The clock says 4 h 47 min
